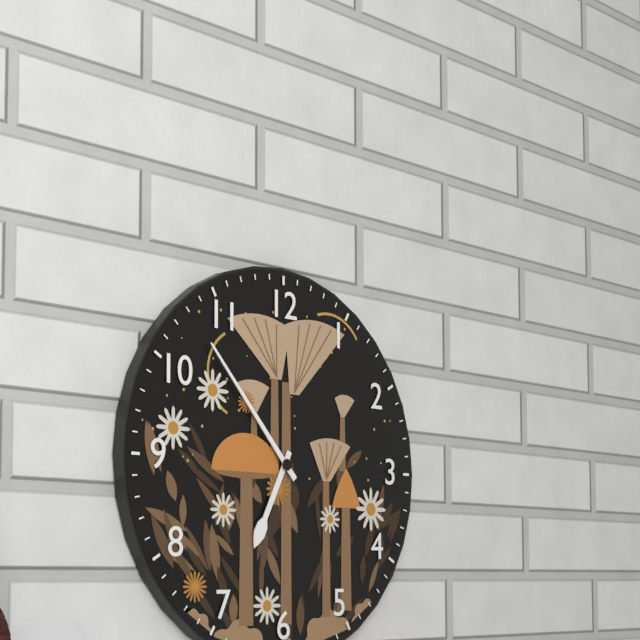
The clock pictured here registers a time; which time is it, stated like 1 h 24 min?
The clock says 6 h 53 min
